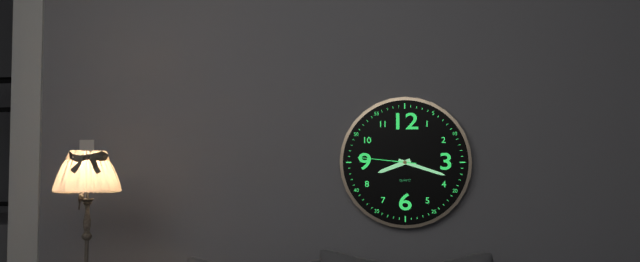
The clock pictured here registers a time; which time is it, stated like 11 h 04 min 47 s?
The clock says 8 h 18 min 46 s
